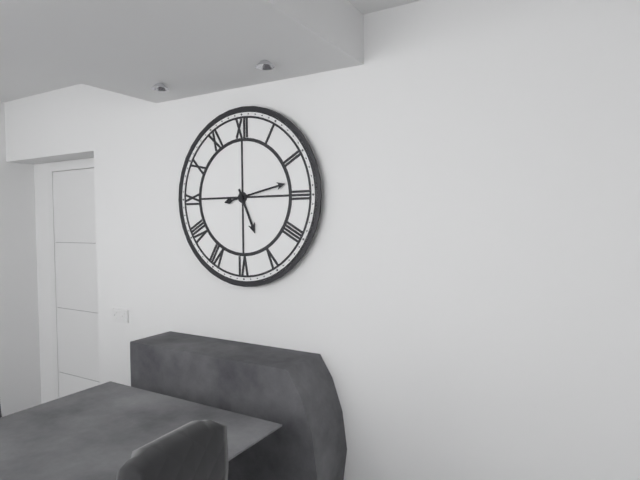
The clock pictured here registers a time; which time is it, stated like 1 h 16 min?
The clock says 5 h 13 min
